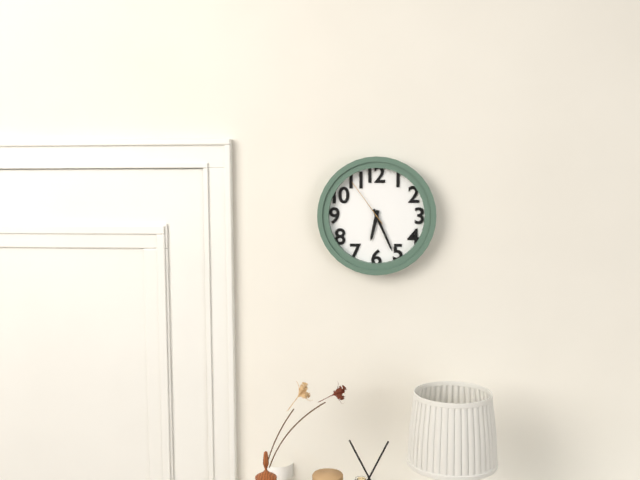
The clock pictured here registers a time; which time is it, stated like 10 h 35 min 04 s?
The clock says 6 h 26 min 54 s
